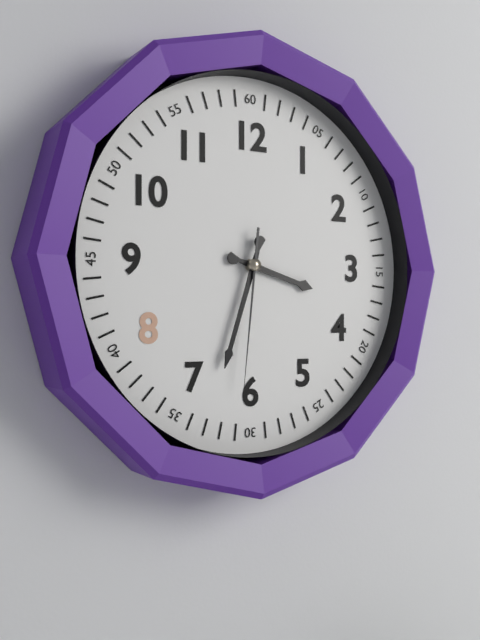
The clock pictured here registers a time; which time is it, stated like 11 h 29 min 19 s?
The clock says 3 h 33 min 31 s
